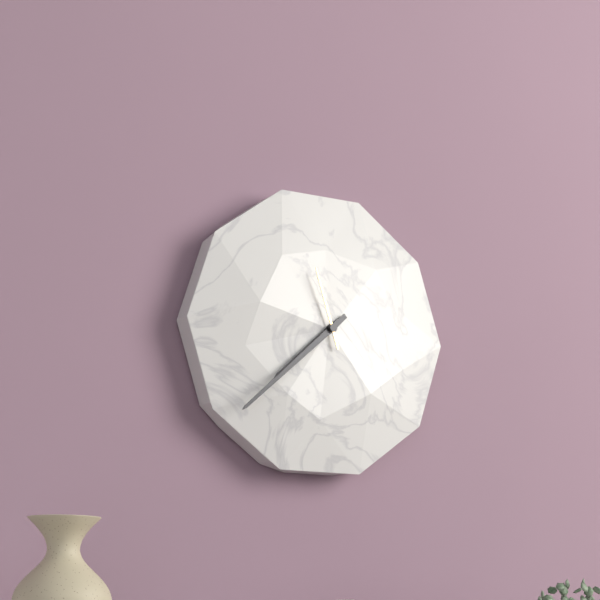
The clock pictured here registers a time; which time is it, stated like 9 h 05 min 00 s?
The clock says 7 h 38 min 57 s
